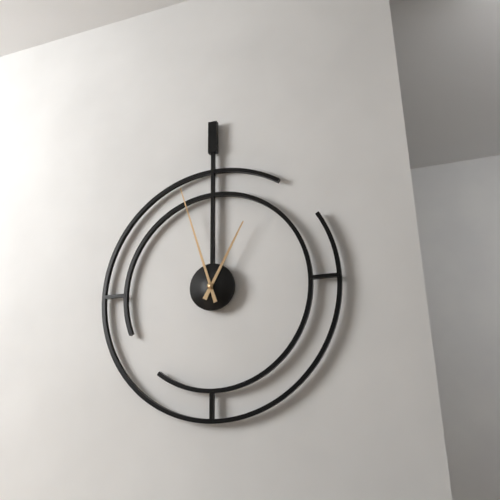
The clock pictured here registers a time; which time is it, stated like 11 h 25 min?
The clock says 12 h 57 min
